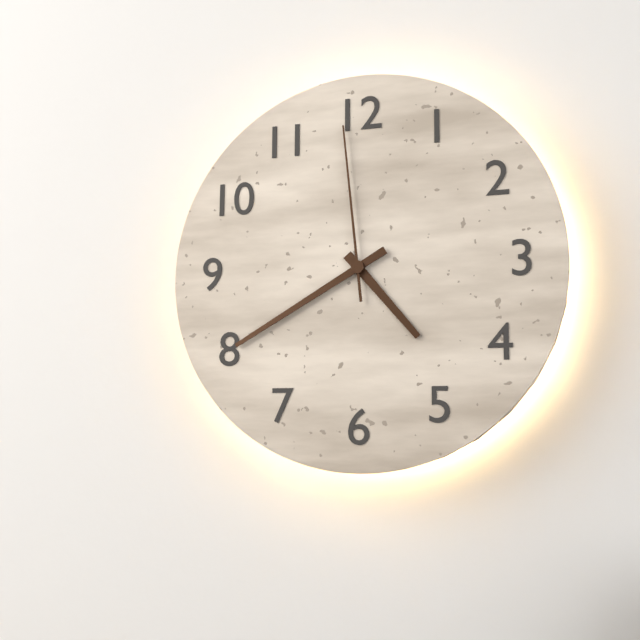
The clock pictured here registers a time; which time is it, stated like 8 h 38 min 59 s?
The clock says 4 h 40 min 59 s
